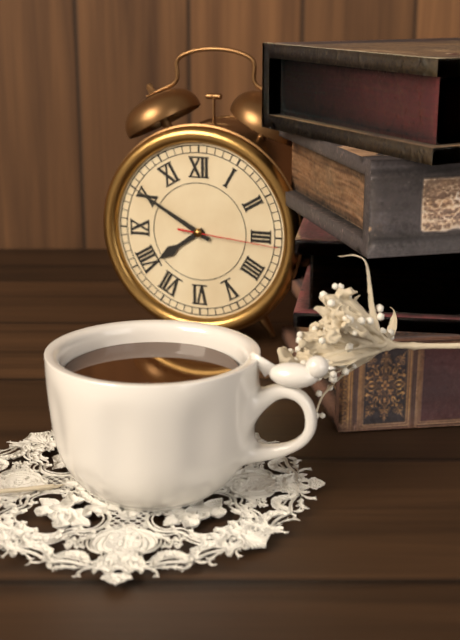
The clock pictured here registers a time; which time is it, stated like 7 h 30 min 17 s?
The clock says 7 h 50 min 16 s
